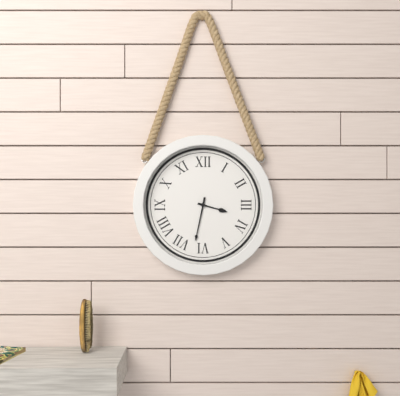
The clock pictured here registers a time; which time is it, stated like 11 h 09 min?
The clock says 3 h 32 min
